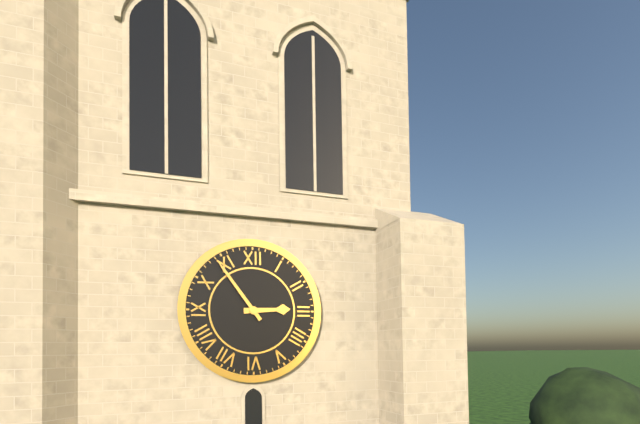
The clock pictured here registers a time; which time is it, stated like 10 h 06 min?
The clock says 2 h 54 min
